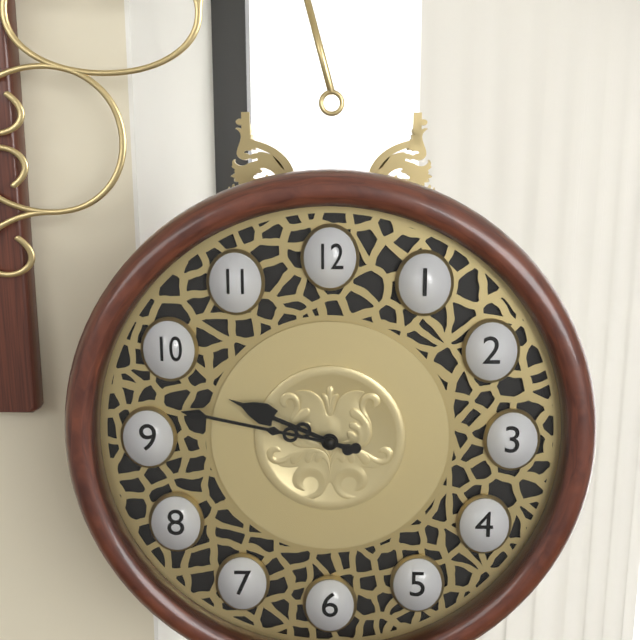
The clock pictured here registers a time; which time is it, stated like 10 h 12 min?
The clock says 9 h 47 min
